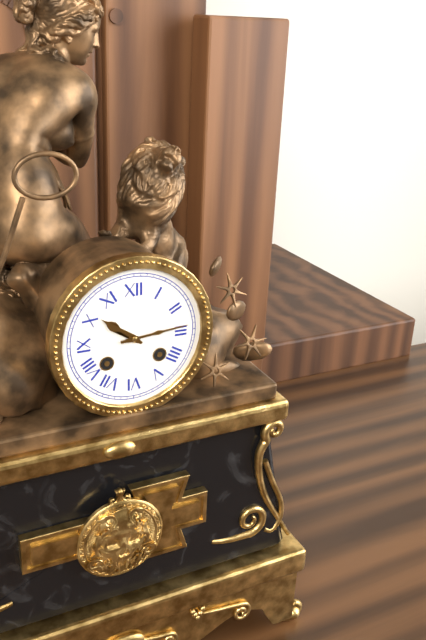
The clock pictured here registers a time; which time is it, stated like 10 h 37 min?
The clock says 10 h 14 min
